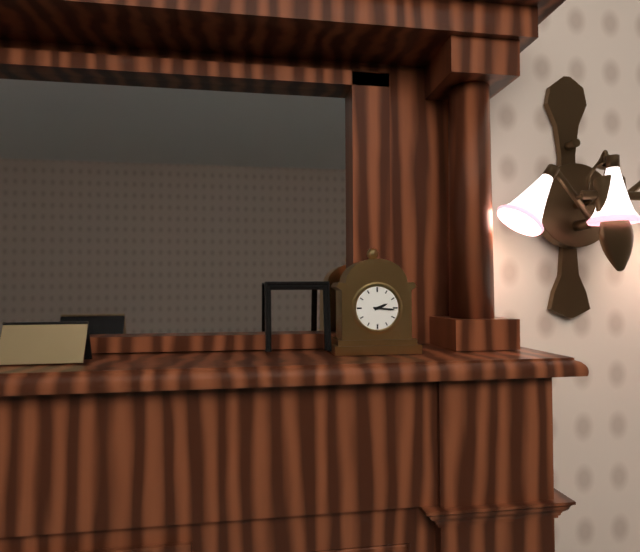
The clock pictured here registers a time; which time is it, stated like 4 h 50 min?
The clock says 2 h 16 min
